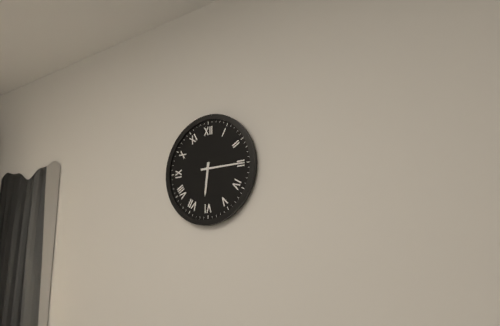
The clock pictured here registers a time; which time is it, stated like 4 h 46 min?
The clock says 6 h 15 min
